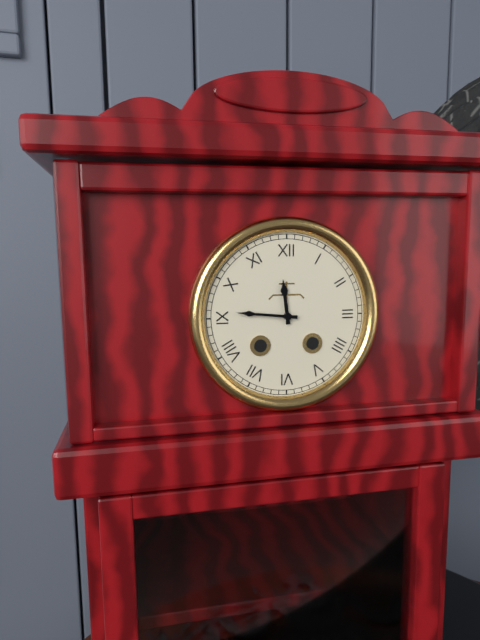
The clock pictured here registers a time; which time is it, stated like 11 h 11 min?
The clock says 11 h 46 min
